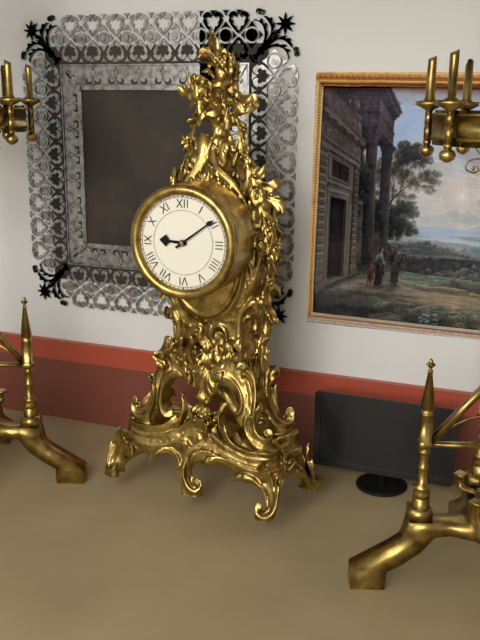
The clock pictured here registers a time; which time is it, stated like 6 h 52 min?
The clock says 9 h 09 min
